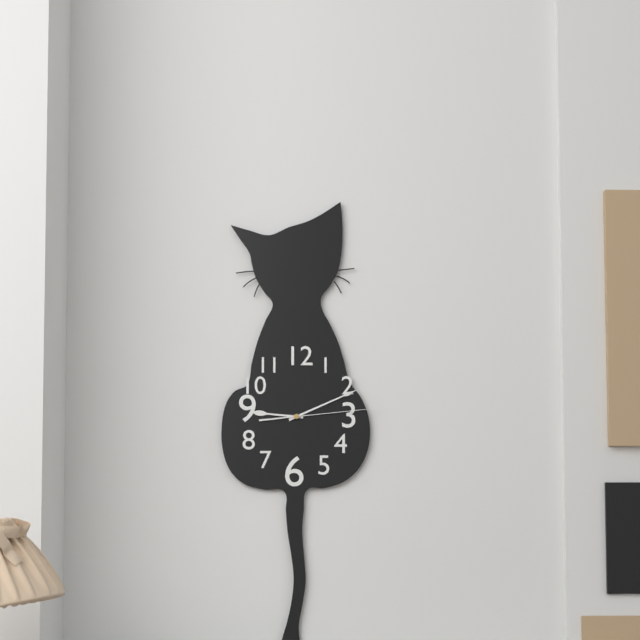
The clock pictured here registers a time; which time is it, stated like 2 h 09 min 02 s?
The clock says 9 h 11 min 14 s
